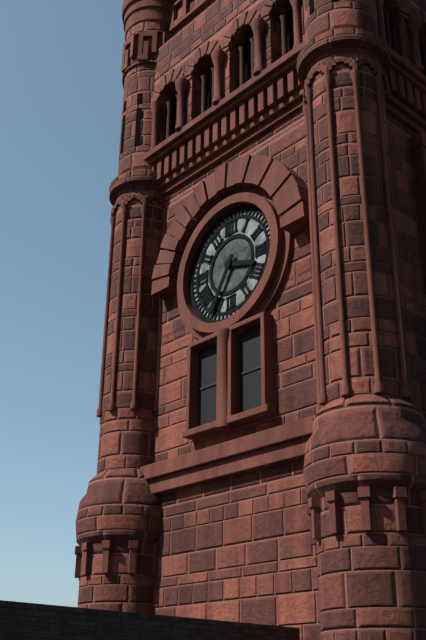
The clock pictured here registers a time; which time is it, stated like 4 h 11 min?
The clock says 3 h 35 min
